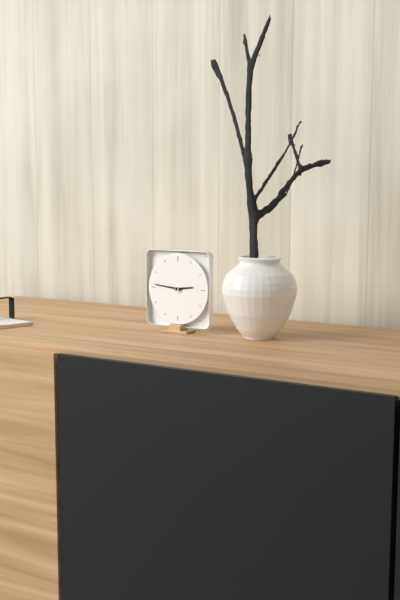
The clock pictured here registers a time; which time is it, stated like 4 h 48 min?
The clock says 2 h 46 min
